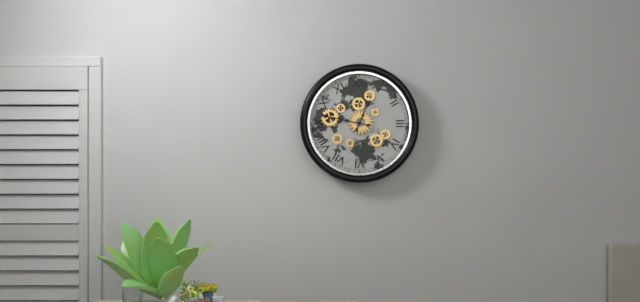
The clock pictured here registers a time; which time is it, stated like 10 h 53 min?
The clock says 12 h 47 min
